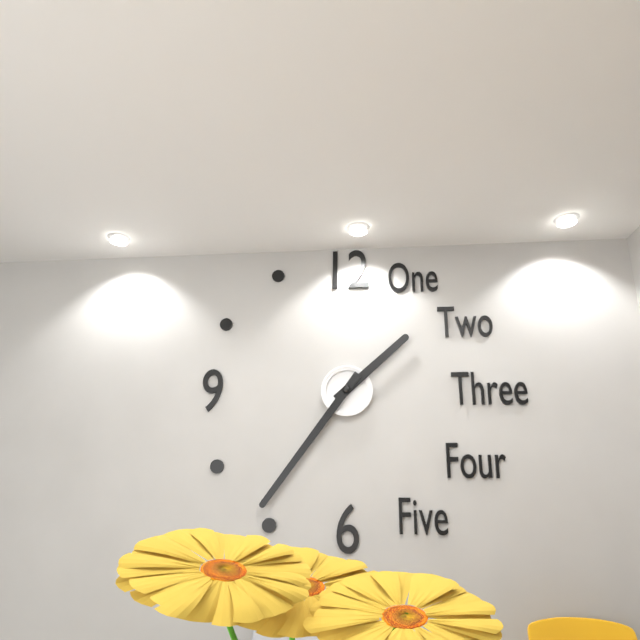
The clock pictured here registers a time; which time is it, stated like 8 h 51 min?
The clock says 1 h 36 min
